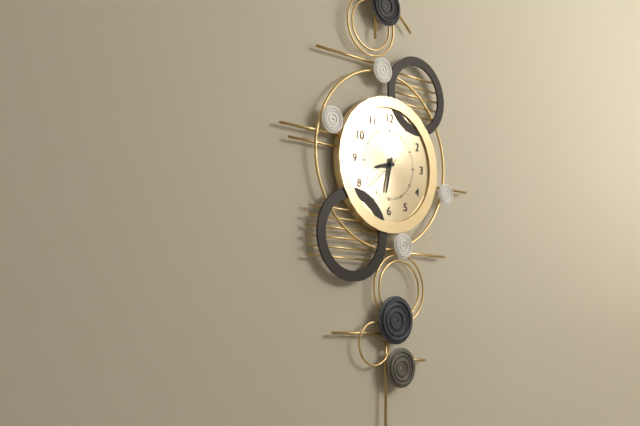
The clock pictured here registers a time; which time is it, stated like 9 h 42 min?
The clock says 8 h 32 min
